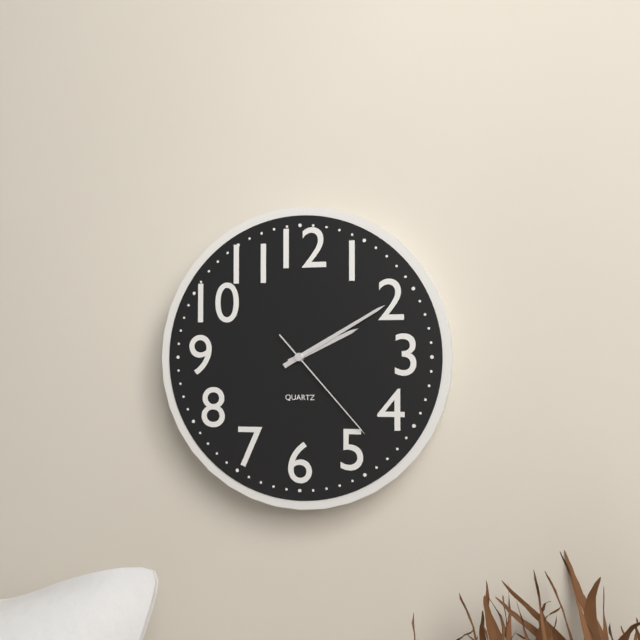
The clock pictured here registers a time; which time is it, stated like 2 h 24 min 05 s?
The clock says 2 h 10 min 23 s
